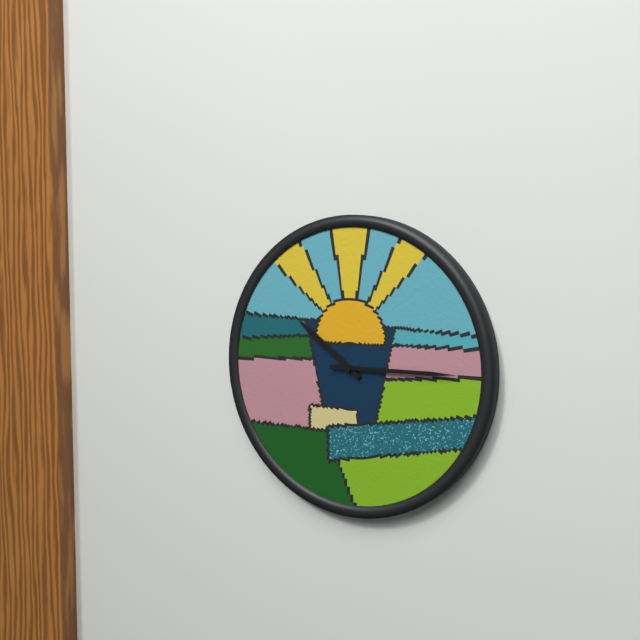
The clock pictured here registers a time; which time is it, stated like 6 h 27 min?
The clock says 10 h 15 min
